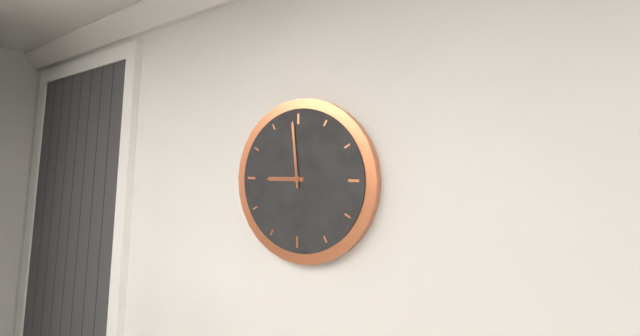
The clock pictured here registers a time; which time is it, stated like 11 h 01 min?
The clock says 8 h 59 min
